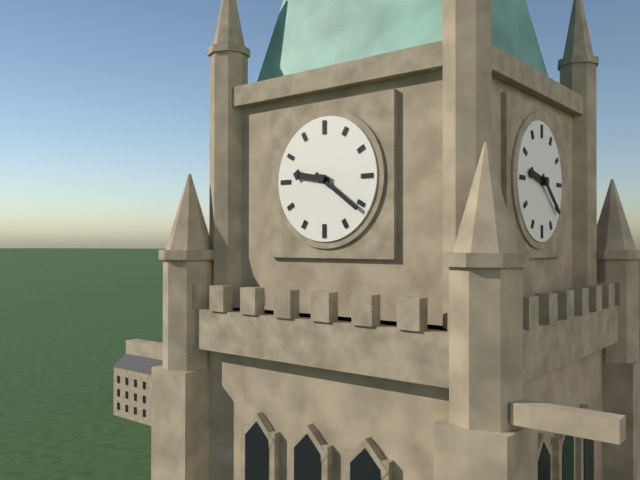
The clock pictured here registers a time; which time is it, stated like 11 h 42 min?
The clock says 9 h 21 min
